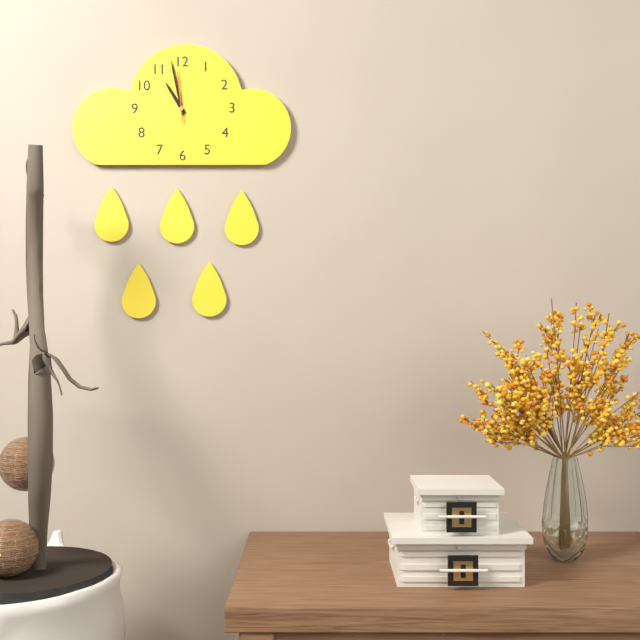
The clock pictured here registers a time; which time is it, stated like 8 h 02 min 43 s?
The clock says 10 h 58 min 59 s
